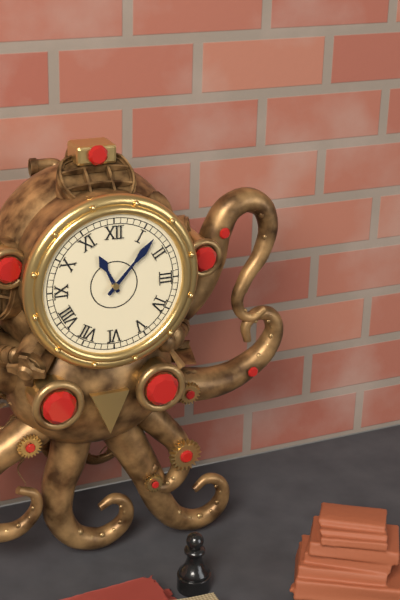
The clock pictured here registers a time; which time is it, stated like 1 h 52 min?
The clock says 11 h 07 min
